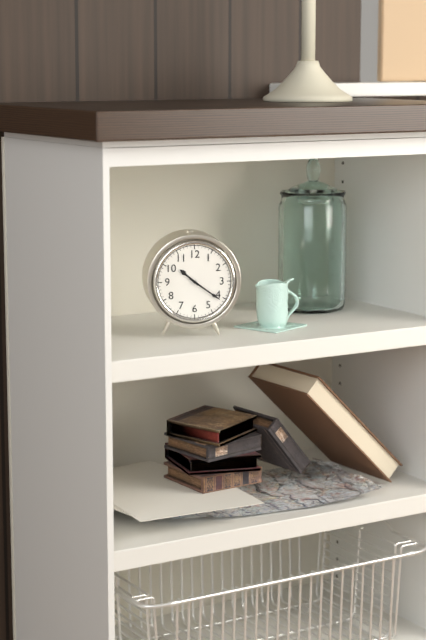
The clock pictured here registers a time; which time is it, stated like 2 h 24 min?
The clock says 10 h 21 min
